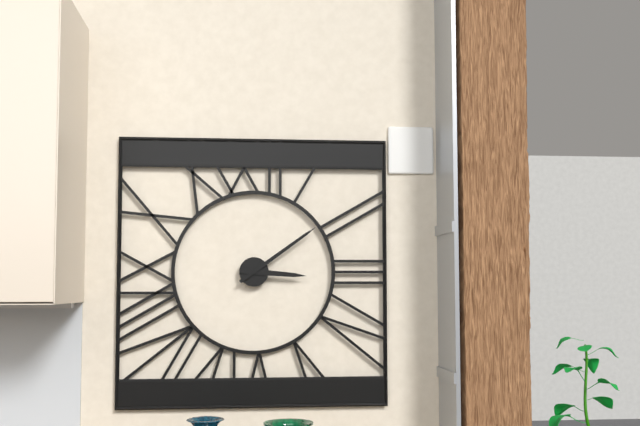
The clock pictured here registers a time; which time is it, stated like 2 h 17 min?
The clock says 3 h 09 min
